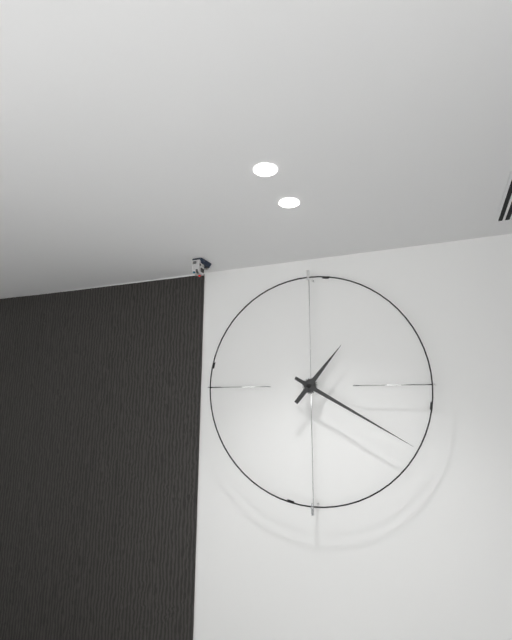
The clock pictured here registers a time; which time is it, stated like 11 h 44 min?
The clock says 1 h 20 min
